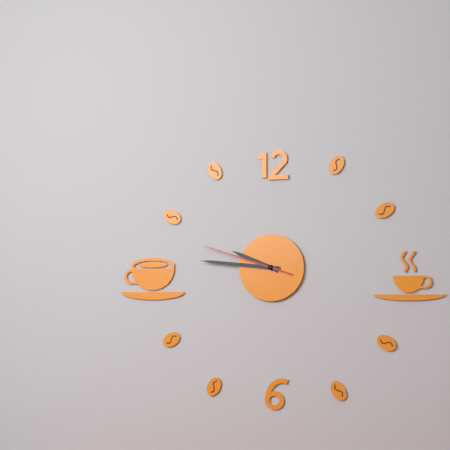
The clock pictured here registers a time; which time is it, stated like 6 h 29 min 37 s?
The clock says 9 h 46 min 48 s
